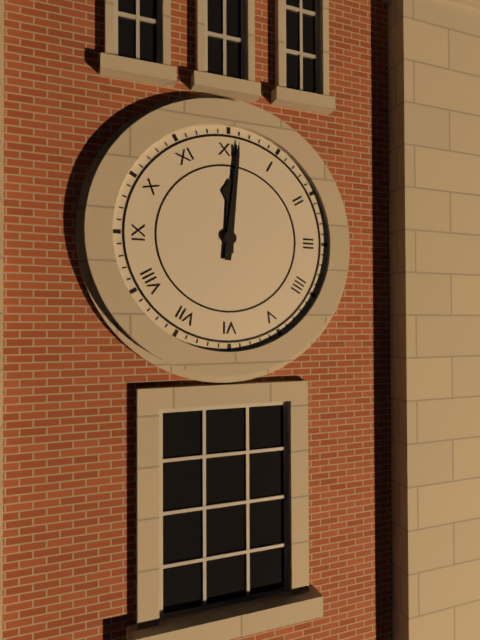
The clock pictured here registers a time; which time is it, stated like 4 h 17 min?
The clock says 12 h 01 min
